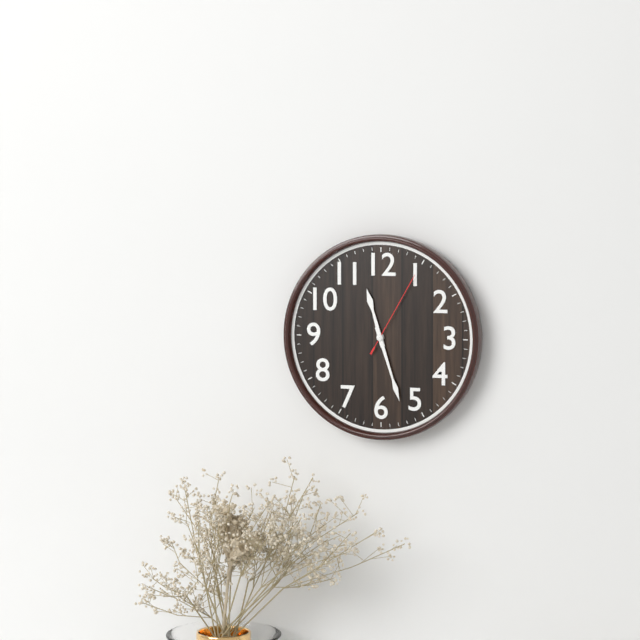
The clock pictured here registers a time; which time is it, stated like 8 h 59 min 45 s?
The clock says 11 h 27 min 05 s
